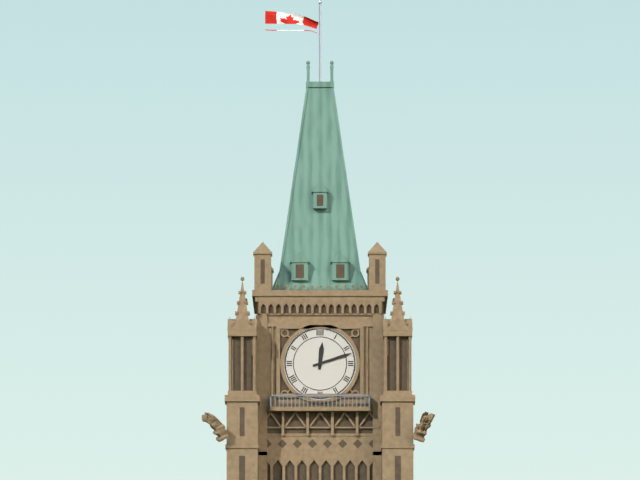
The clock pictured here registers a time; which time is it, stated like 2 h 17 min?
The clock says 12 h 12 min
